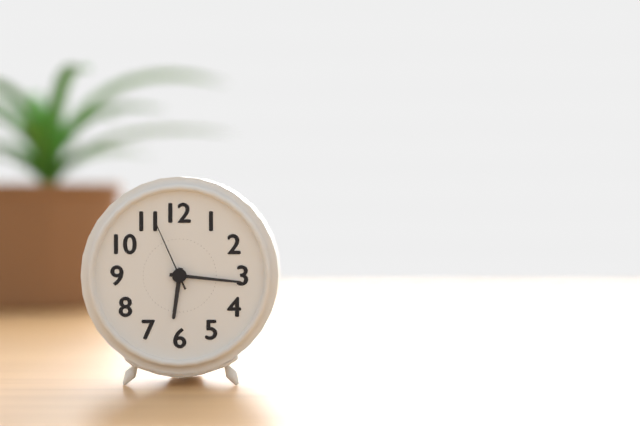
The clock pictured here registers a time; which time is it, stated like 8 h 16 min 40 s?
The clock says 6 h 16 min 56 s
